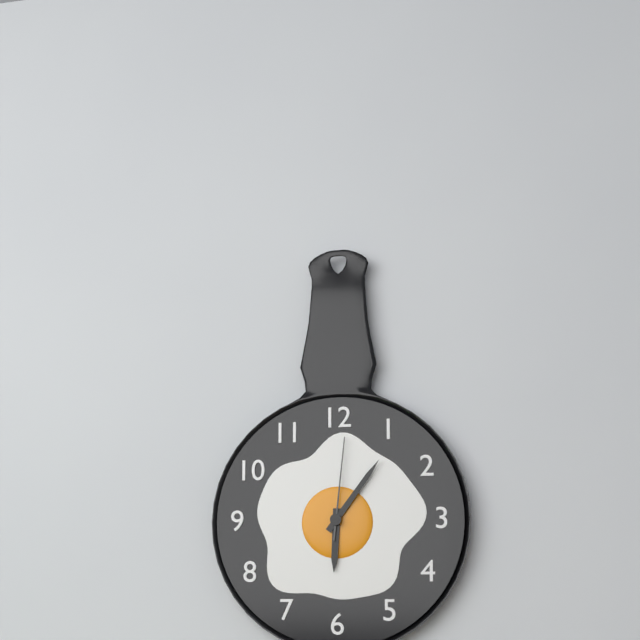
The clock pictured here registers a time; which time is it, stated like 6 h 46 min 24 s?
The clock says 6 h 06 min 01 s
